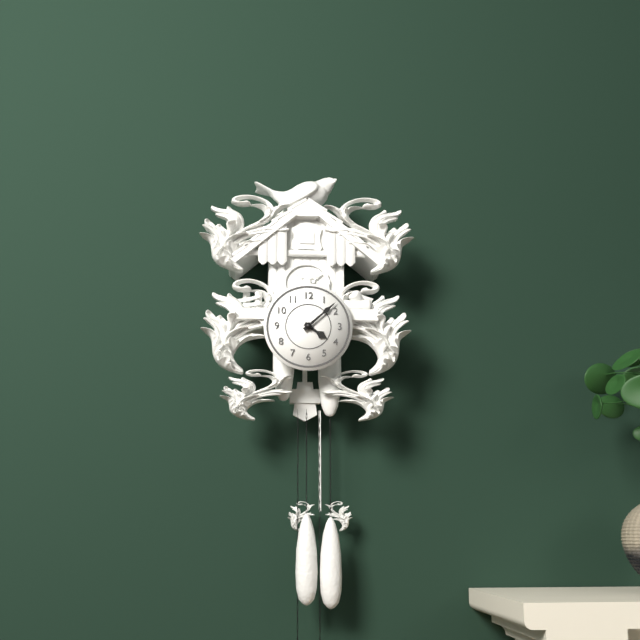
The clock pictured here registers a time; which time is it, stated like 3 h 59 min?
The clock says 4 h 08 min
